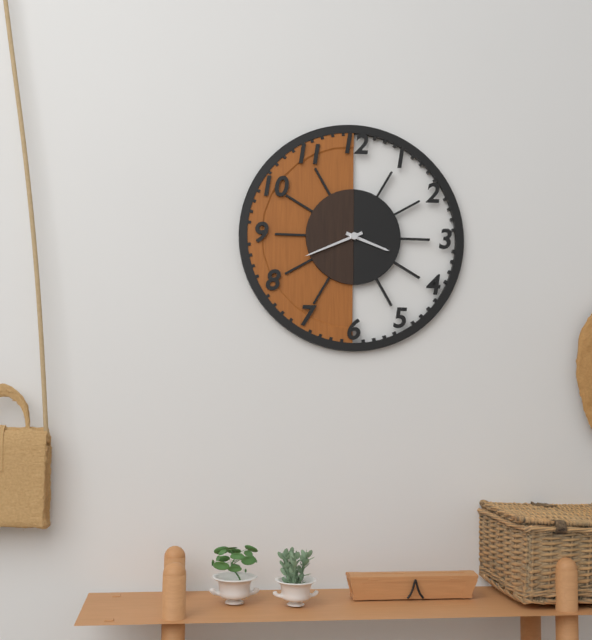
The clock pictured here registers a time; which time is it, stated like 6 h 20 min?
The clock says 3 h 41 min
